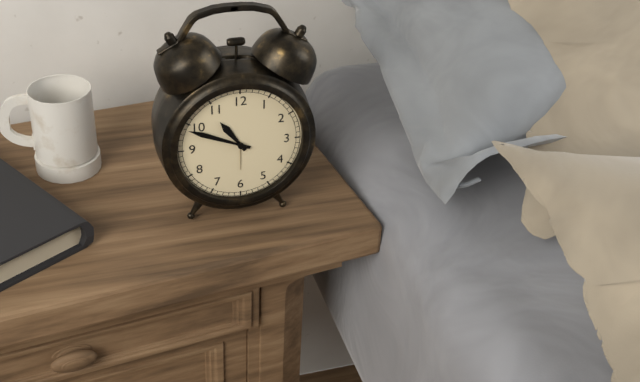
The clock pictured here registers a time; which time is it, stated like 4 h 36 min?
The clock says 10 h 49 min
